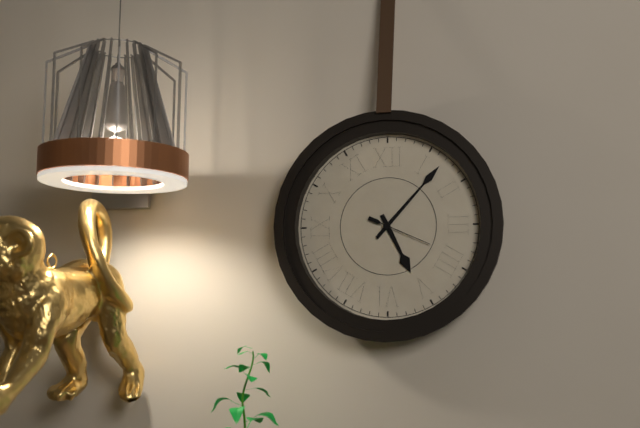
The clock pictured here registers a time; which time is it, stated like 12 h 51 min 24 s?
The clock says 5 h 07 min 19 s
